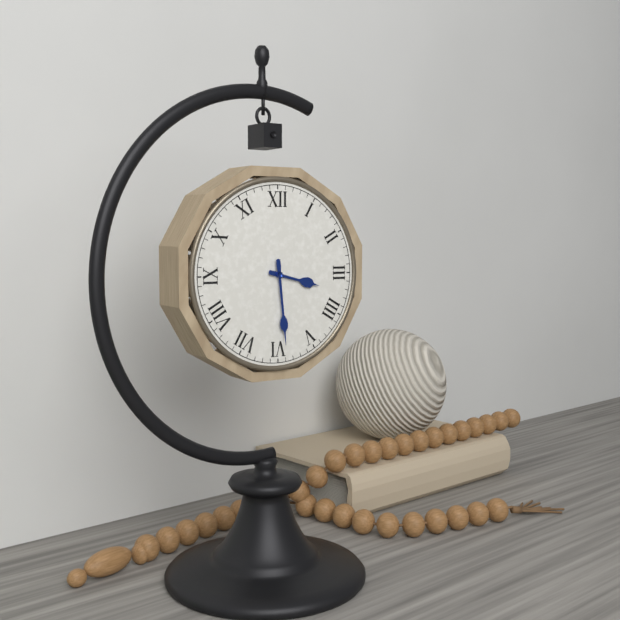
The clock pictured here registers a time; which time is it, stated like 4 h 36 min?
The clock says 3 h 29 min
